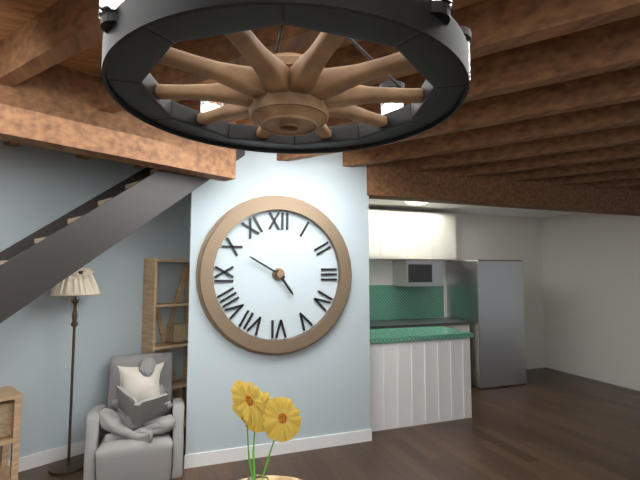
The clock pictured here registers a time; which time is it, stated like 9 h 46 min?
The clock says 4 h 50 min
